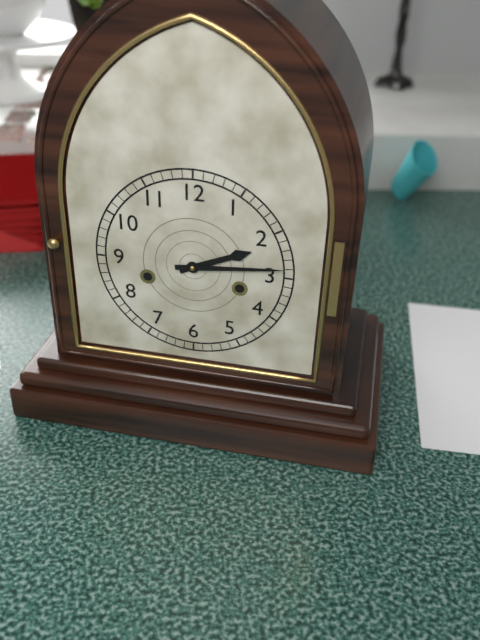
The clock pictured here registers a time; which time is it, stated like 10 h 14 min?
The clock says 2 h 14 min
